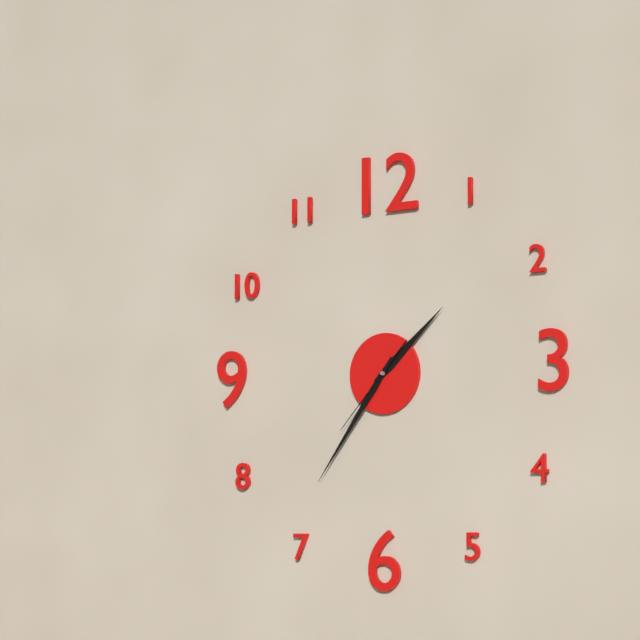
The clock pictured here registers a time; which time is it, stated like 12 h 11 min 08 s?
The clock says 1 h 36 min 37 s
